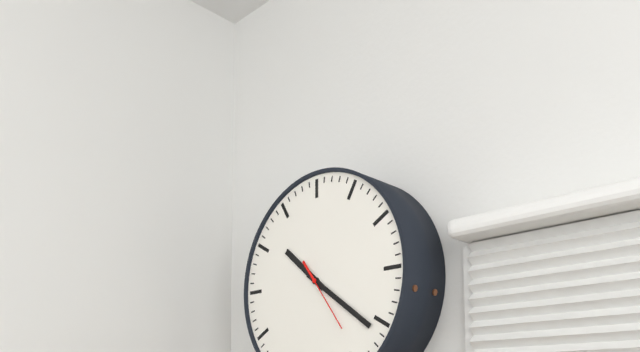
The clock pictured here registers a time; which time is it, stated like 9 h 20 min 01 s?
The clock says 10 h 21 min 24 s
